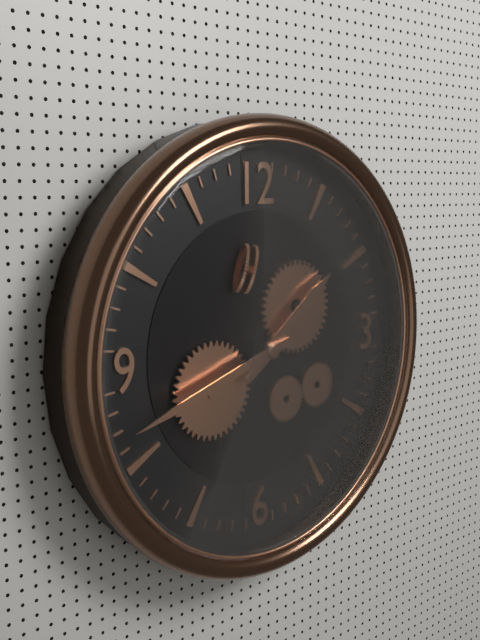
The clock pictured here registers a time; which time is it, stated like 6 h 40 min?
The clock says 1 h 42 min
